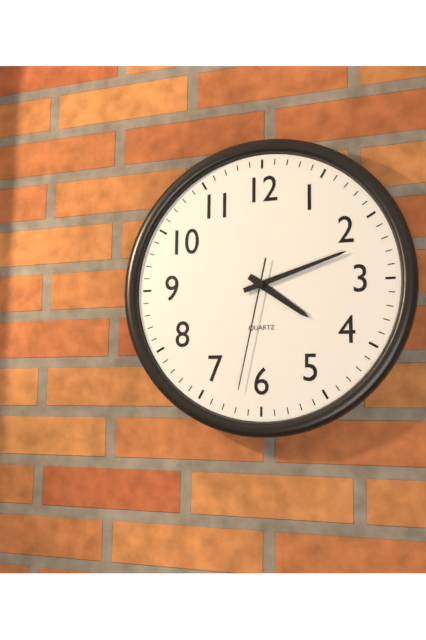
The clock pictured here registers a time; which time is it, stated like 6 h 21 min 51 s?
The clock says 4 h 12 min 32 s
